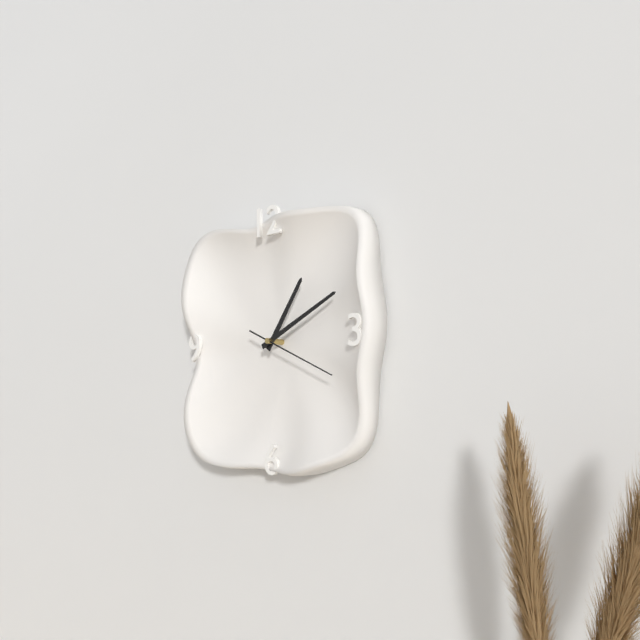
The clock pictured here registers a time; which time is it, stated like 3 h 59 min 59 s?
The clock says 1 h 11 min 19 s
